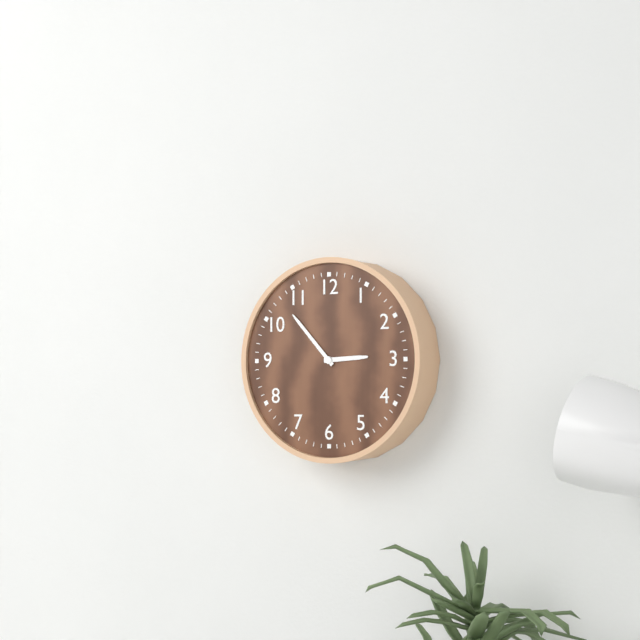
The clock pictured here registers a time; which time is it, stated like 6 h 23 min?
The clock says 2 h 53 min
